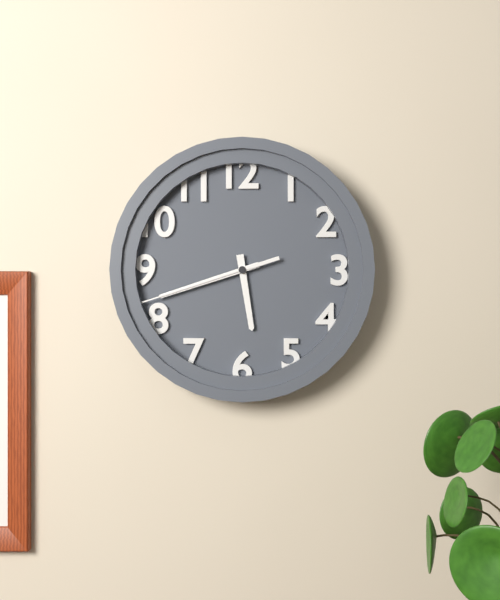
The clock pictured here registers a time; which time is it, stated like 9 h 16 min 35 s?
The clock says 5 h 42 min 42 s
